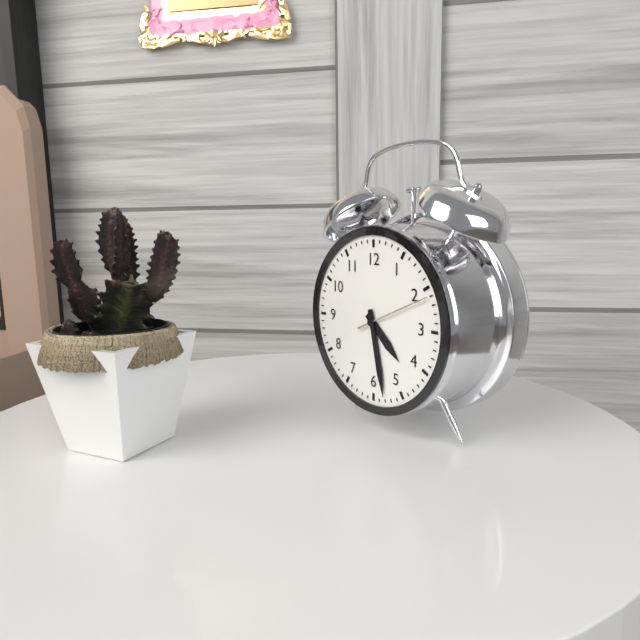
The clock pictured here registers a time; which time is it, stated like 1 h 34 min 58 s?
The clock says 4 h 28 min 11 s
